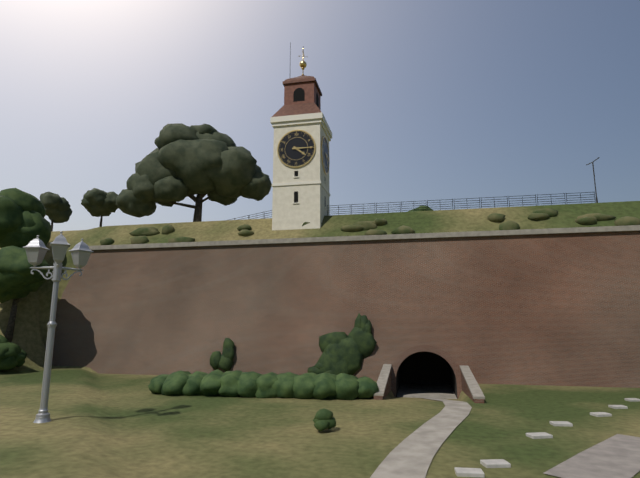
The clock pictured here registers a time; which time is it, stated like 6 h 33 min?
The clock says 4 h 15 min
